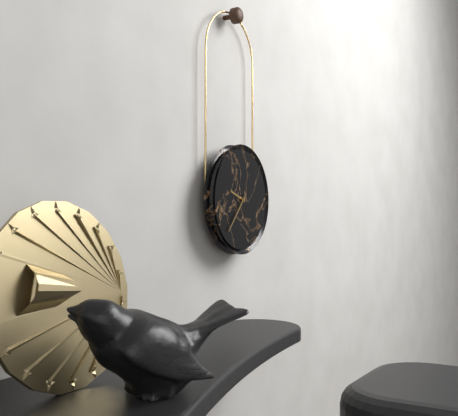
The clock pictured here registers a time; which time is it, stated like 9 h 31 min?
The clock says 9 h 37 min
